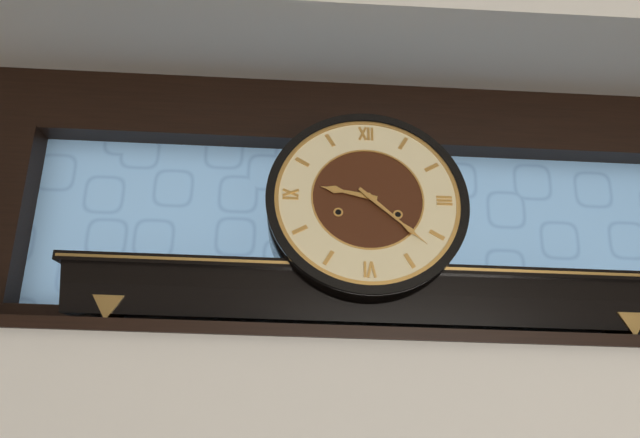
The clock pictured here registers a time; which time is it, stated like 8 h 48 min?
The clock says 9 h 22 min
